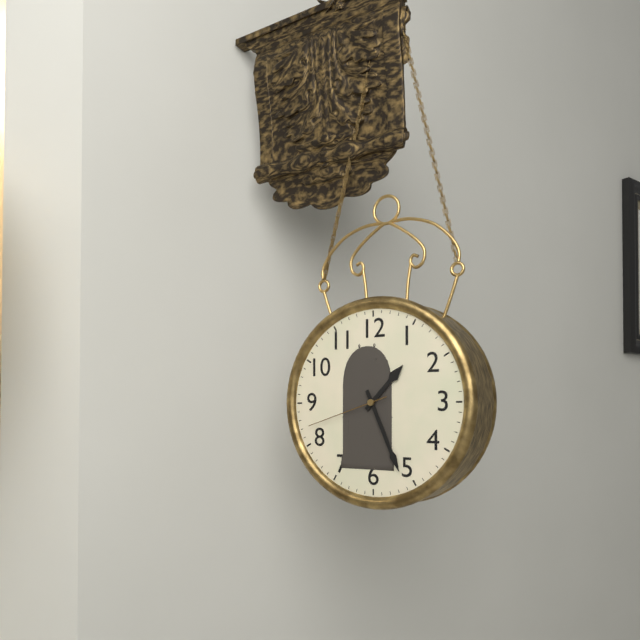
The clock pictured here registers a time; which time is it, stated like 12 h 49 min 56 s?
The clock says 1 h 26 min 42 s
